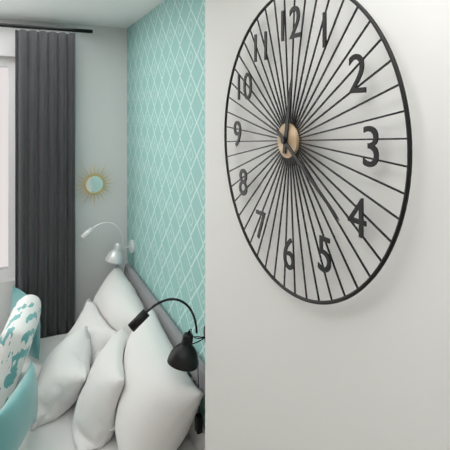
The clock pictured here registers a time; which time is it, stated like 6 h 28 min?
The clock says 12 h 21 min
